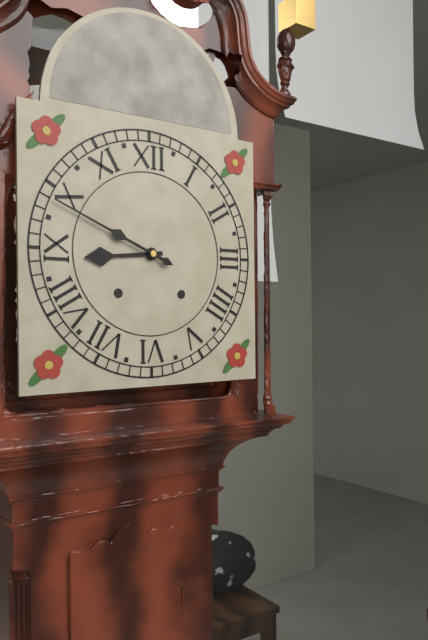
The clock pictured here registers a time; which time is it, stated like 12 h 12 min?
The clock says 8 h 49 min
